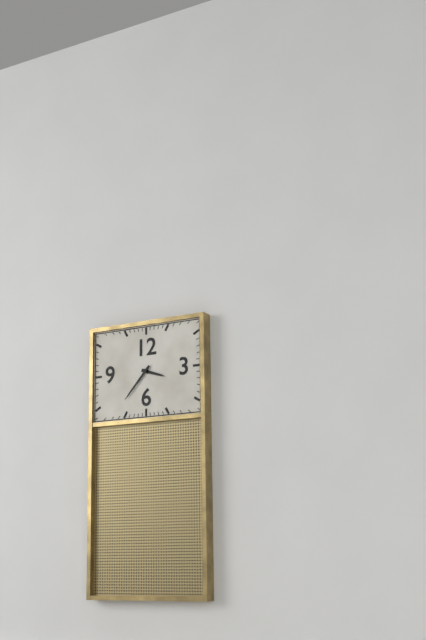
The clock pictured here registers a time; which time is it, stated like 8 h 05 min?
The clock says 3 h 37 min
